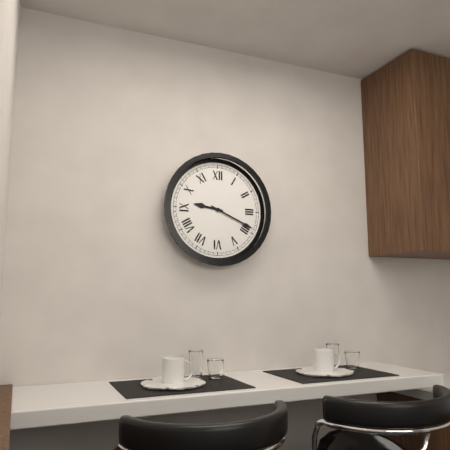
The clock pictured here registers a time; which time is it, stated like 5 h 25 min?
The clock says 9 h 19 min
